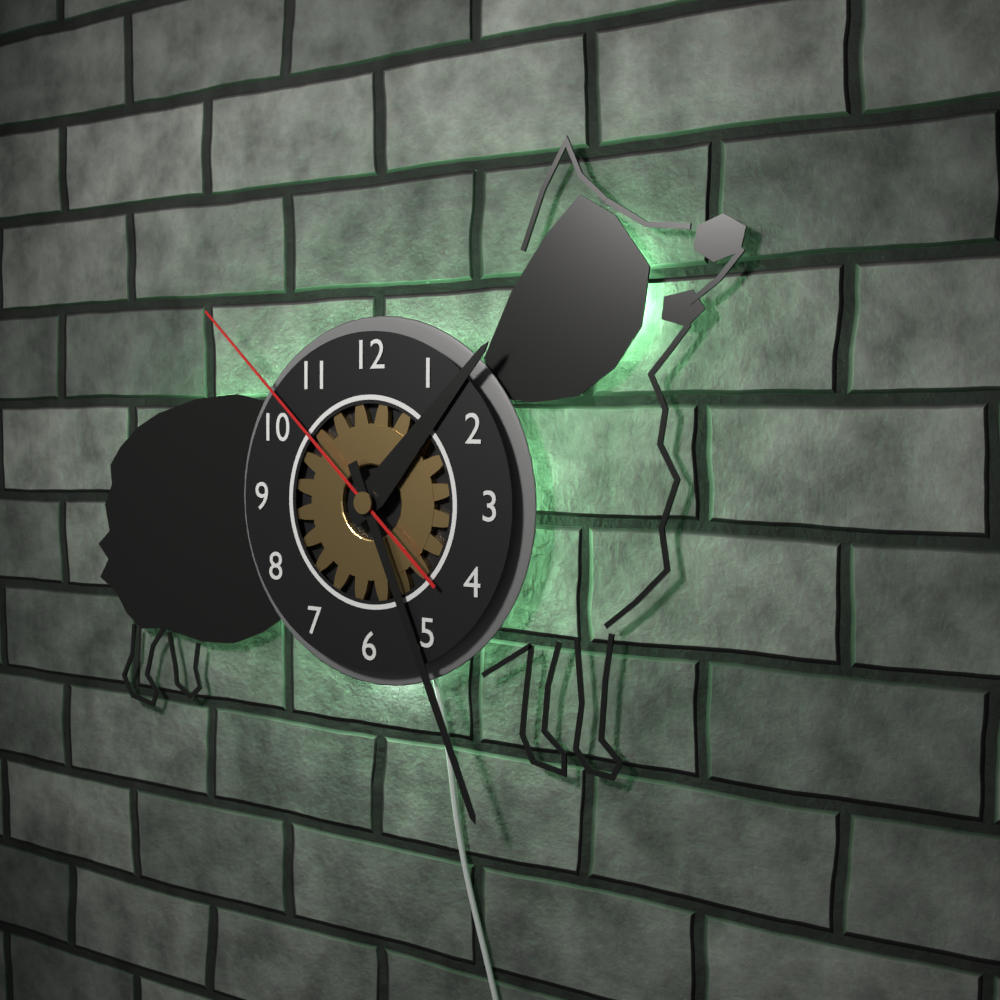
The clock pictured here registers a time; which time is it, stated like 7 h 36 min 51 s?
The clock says 1 h 26 min 52 s
